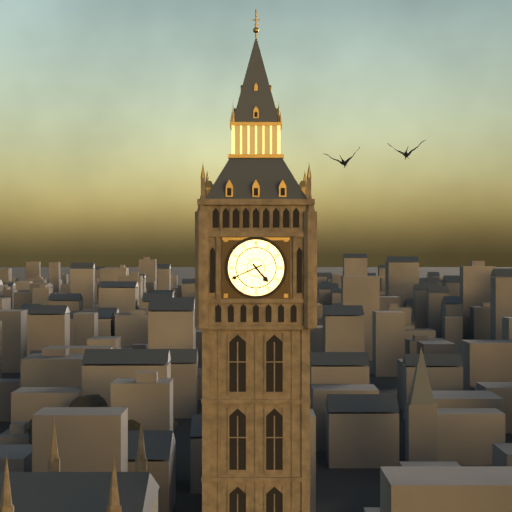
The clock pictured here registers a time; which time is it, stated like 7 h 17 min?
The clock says 4 h 41 min
